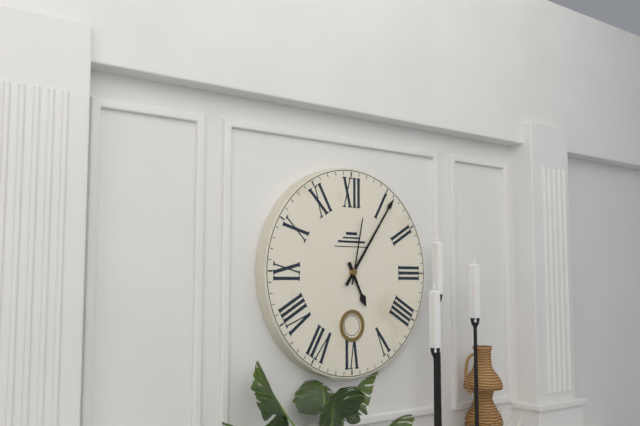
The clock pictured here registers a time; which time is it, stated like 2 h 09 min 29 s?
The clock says 5 h 06 min 02 s
